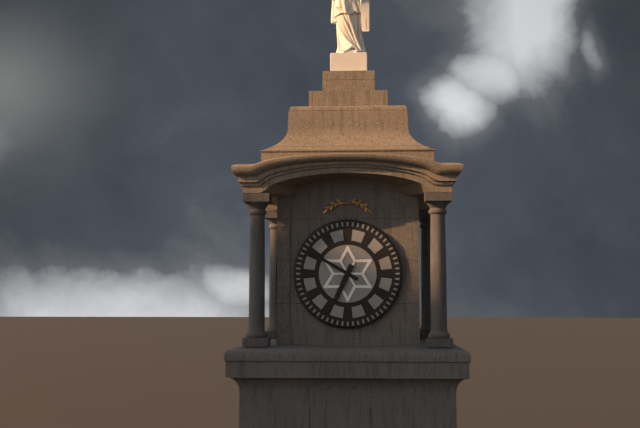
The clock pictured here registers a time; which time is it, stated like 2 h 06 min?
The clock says 6 h 50 min
